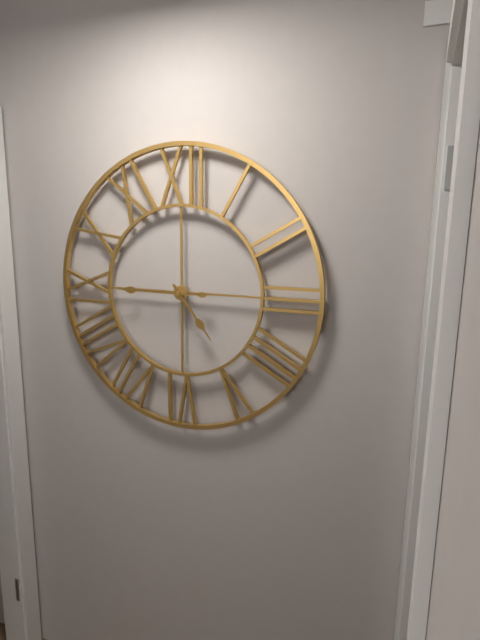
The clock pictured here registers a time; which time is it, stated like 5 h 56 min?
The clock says 4 h 45 min
